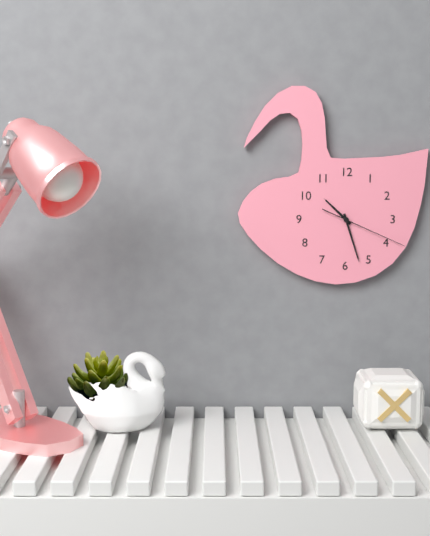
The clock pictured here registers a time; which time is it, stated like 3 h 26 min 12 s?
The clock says 10 h 27 min 19 s
